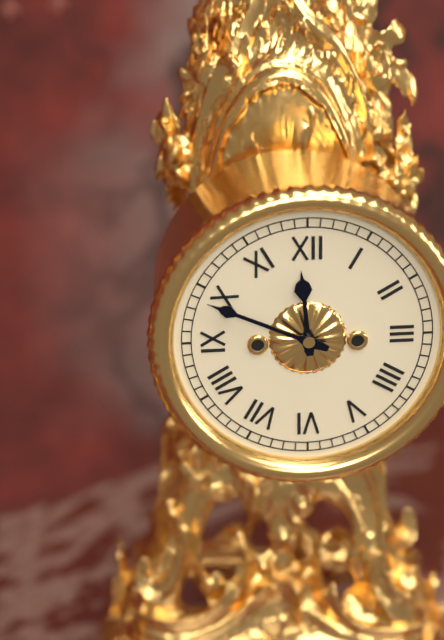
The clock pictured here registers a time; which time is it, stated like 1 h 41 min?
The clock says 11 h 49 min
